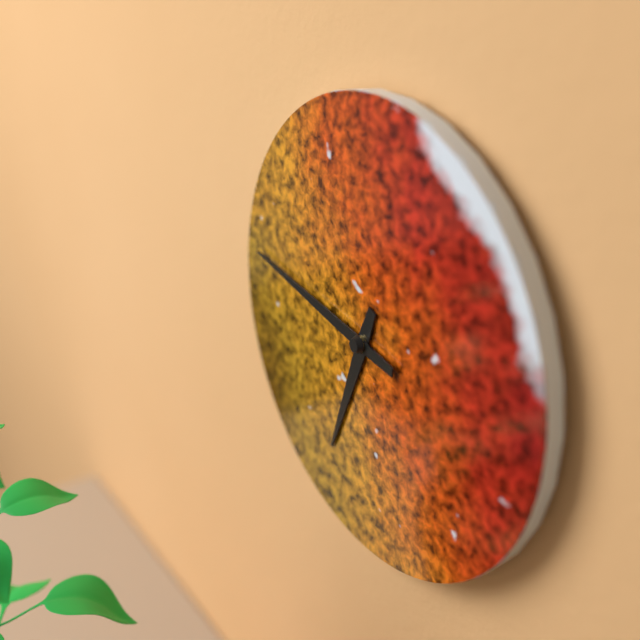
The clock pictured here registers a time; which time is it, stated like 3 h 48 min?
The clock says 6 h 47 min
